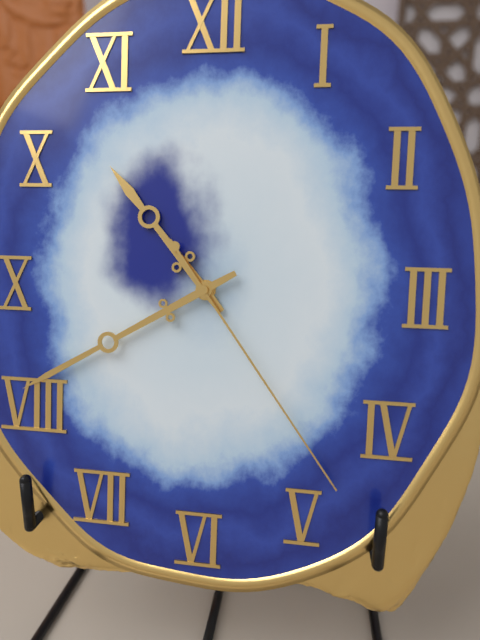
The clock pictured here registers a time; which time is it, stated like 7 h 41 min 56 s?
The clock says 10 h 40 min 24 s
